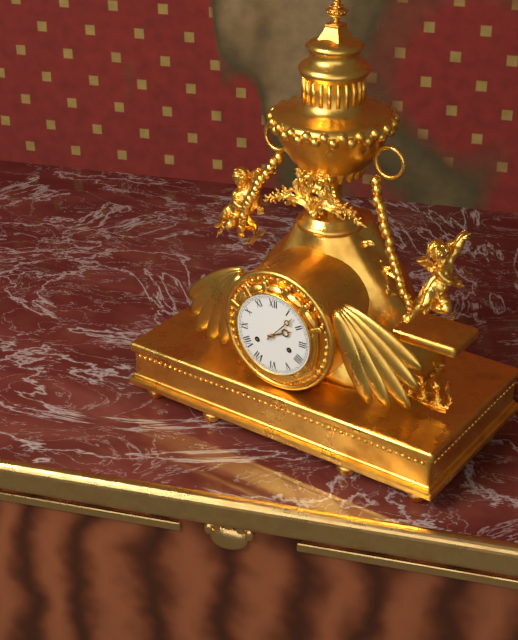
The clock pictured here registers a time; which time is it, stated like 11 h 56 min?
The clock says 2 h 07 min
